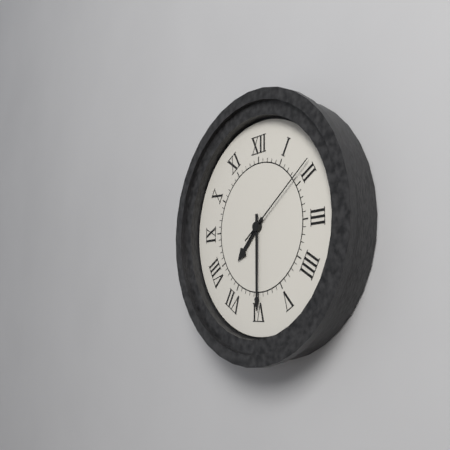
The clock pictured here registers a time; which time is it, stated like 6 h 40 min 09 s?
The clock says 7 h 30 min 09 s
